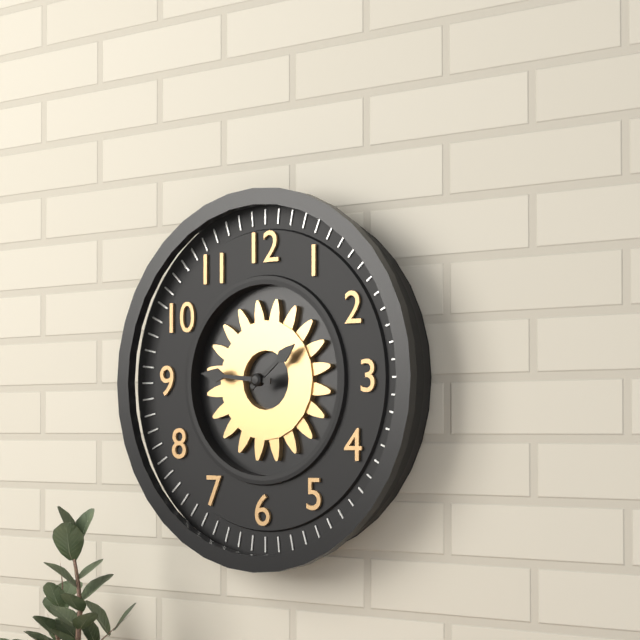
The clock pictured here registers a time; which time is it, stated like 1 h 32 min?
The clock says 1 h 46 min
